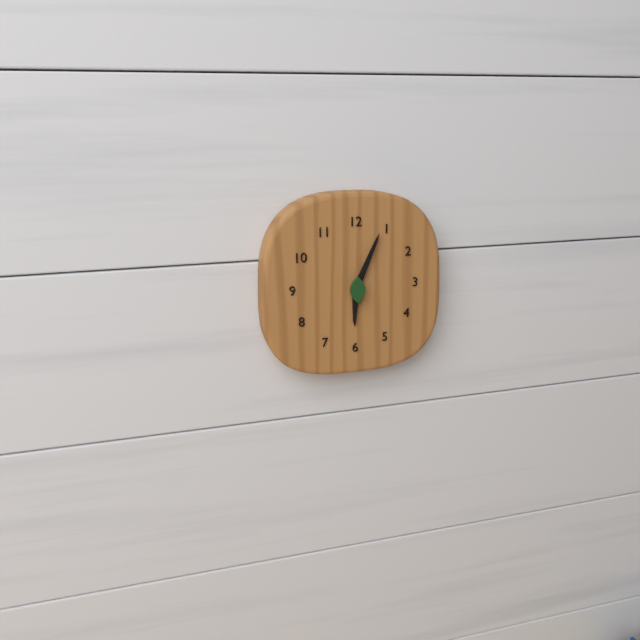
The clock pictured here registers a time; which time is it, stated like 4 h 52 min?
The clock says 6 h 04 min
